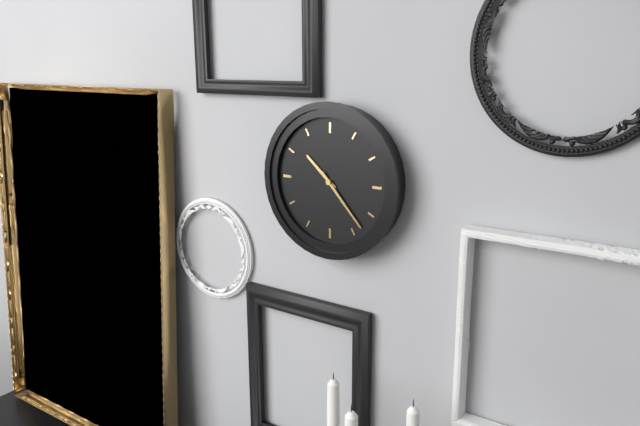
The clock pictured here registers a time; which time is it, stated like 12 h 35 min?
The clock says 10 h 23 min
